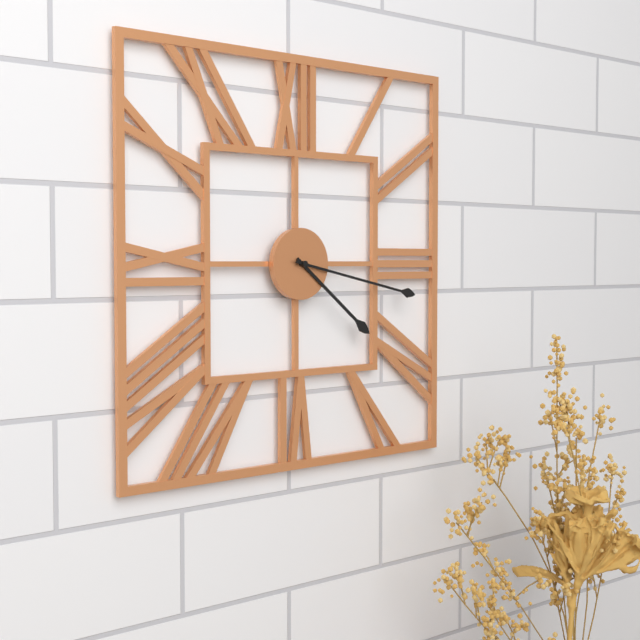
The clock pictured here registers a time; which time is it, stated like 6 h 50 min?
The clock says 4 h 17 min
